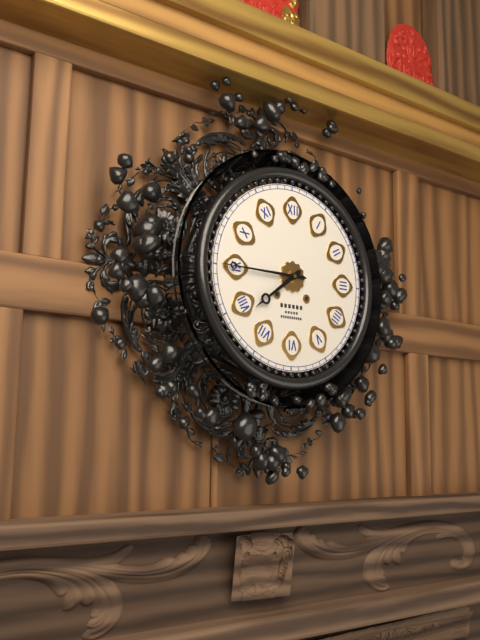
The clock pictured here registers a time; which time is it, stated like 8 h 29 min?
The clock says 7 h 45 min
